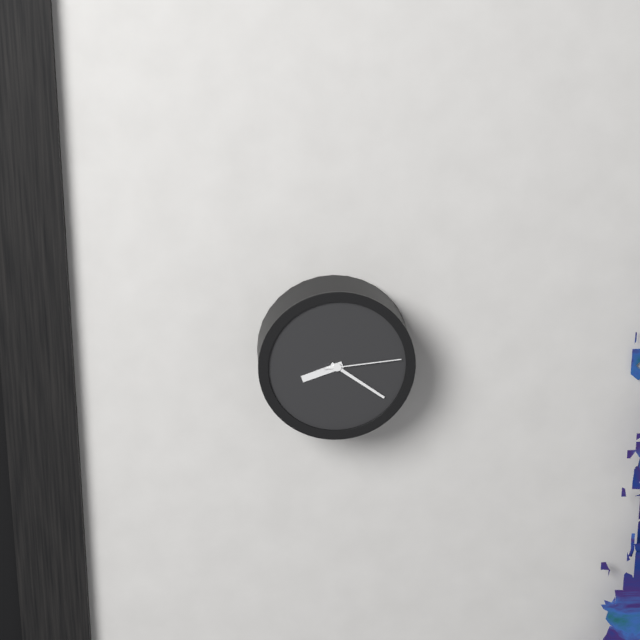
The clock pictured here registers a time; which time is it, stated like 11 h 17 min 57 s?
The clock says 8 h 21 min 14 s
